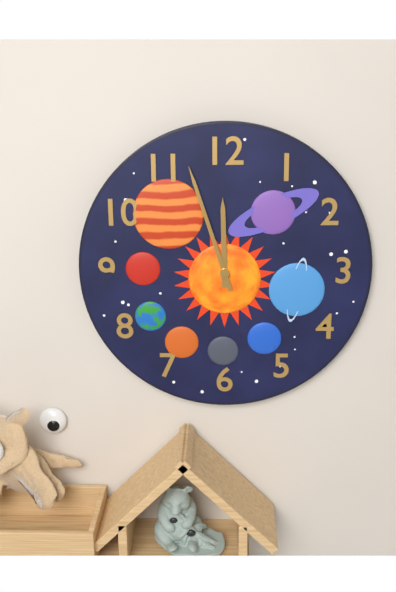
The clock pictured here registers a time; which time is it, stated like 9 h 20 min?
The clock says 11 h 57 min
